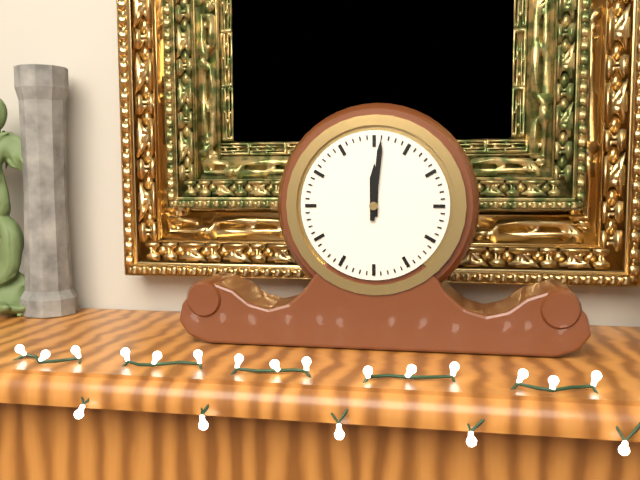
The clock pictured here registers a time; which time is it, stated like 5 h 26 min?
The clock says 12 h 01 min
